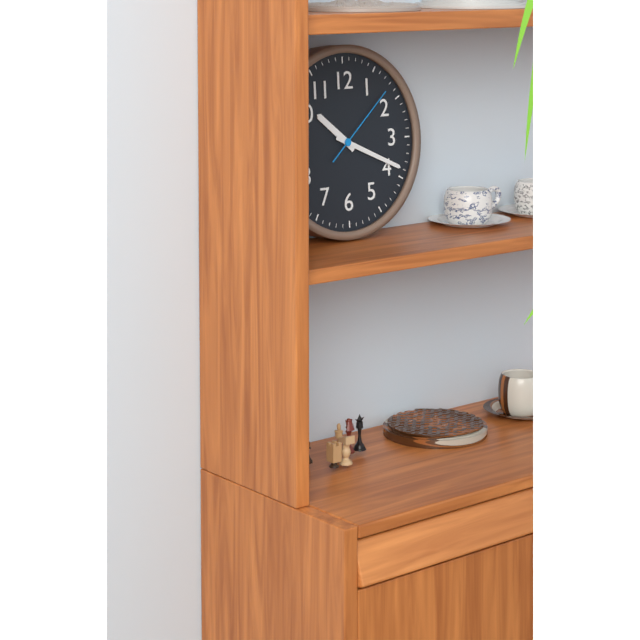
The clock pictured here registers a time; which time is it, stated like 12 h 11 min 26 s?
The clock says 10 h 19 min 08 s
